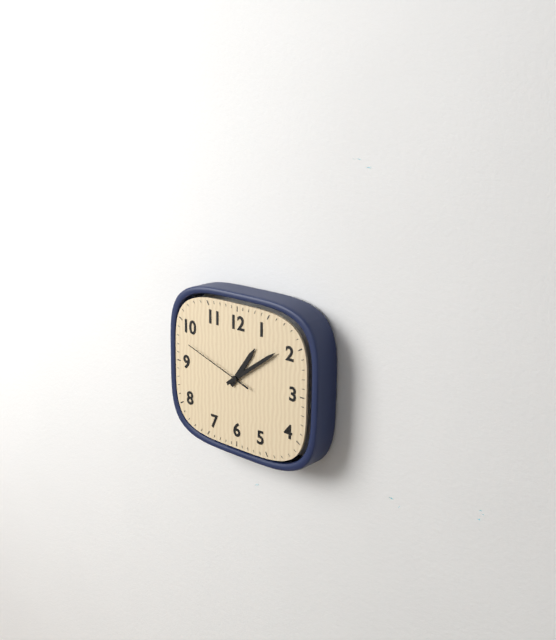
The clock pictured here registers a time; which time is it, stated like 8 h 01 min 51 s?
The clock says 1 h 09 min 48 s
